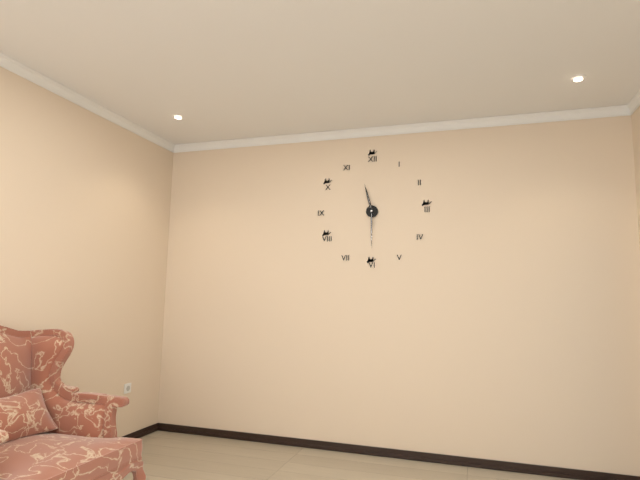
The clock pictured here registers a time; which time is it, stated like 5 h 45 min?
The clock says 11 h 30 min
